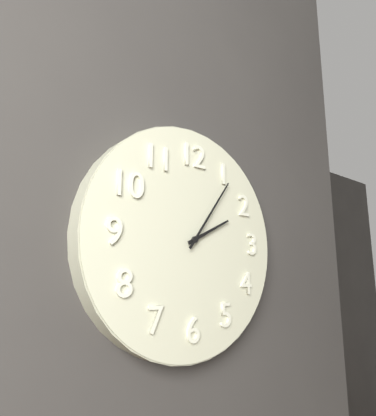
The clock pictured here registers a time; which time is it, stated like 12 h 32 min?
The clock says 2 h 06 min
